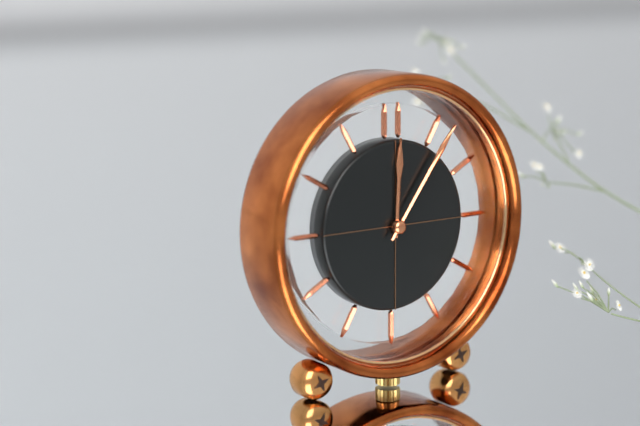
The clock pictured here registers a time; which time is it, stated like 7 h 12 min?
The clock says 12 h 06 min
